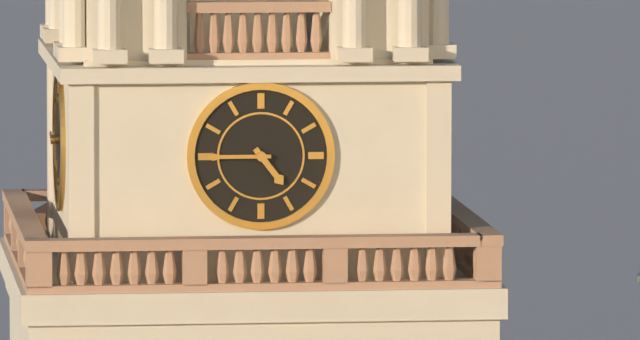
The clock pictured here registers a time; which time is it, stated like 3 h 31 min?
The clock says 4 h 45 min
